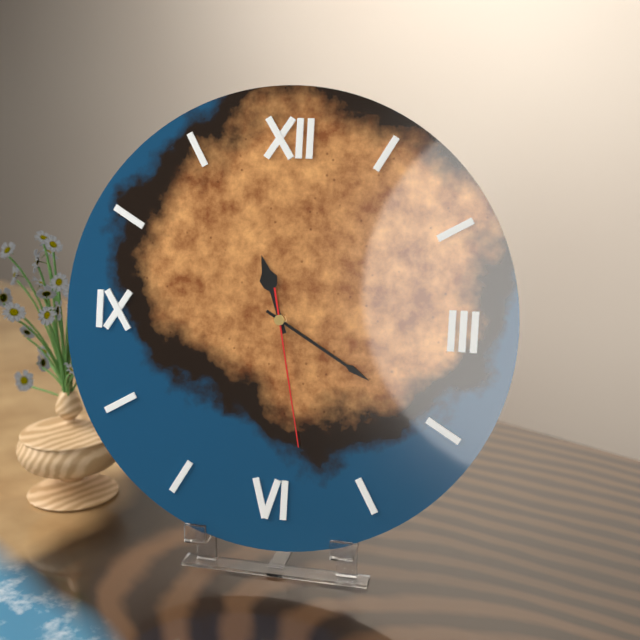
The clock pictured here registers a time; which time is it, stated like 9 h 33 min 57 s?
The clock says 11 h 20 min 28 s
